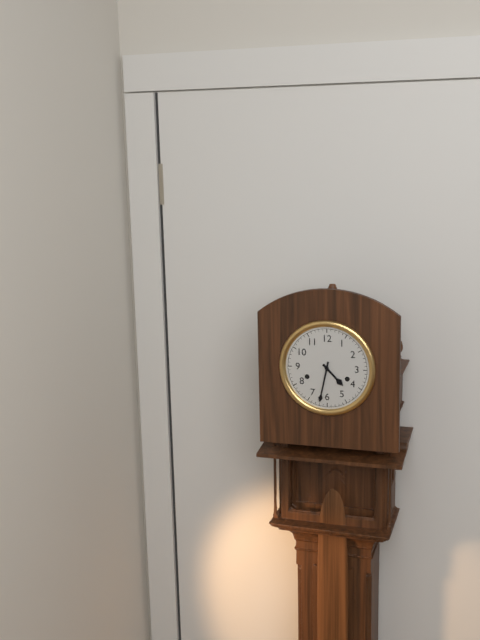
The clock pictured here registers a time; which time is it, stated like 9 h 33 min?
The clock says 4 h 32 min
